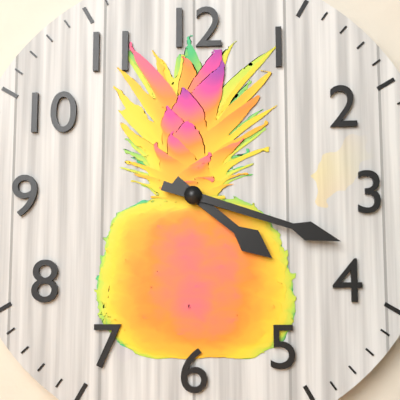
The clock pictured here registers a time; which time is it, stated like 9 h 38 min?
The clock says 4 h 18 min
